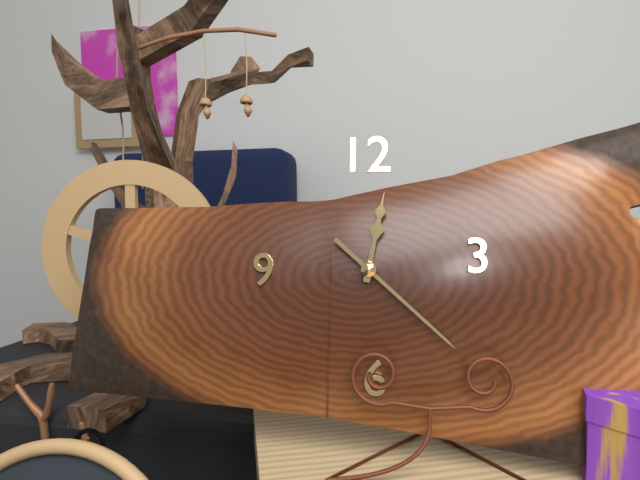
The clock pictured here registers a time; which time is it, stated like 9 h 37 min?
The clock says 12 h 22 min
